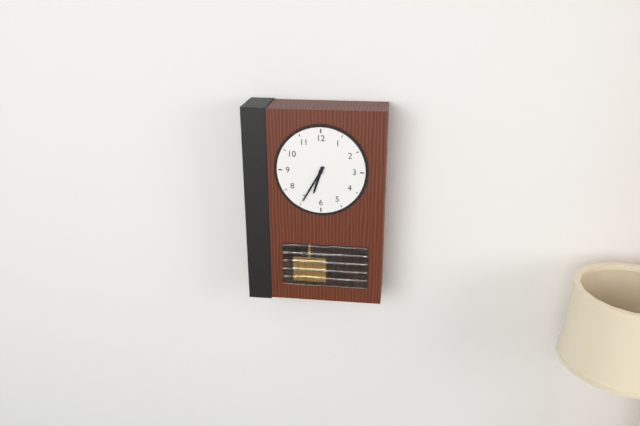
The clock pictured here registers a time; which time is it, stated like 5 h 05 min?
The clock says 6 h 35 min
